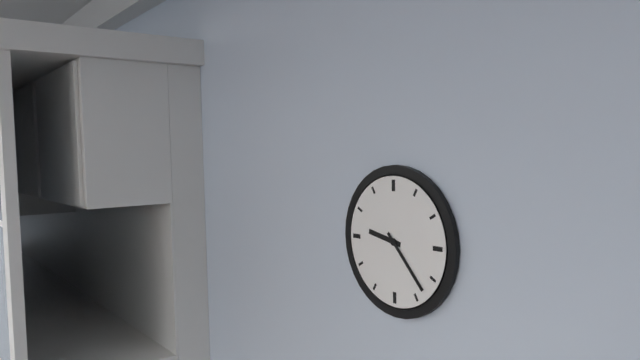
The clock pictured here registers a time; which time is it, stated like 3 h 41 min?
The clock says 9 h 23 min
